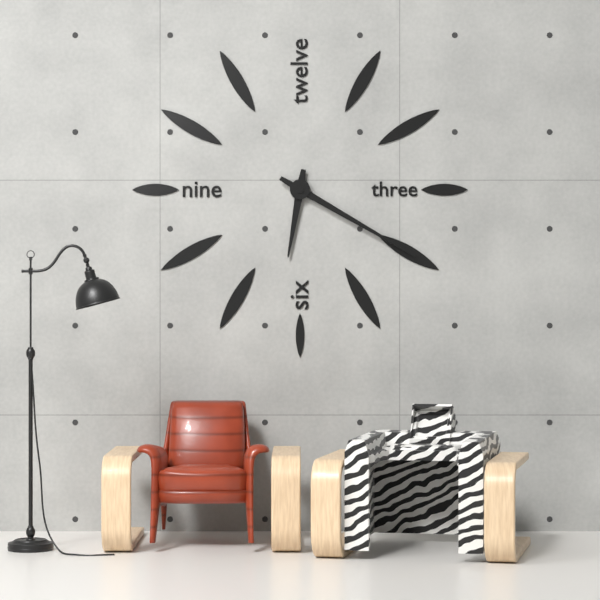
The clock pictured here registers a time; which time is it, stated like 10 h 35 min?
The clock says 6 h 20 min
